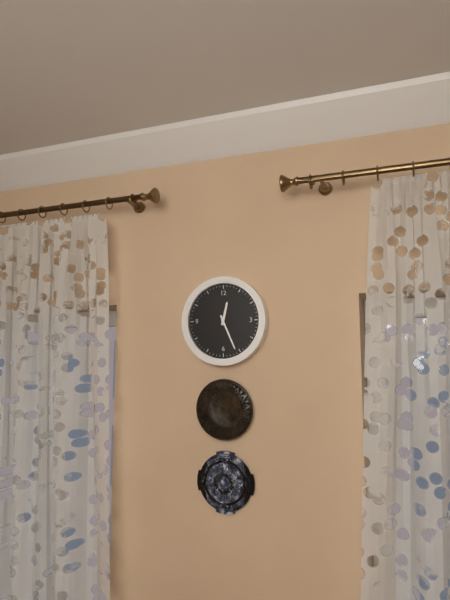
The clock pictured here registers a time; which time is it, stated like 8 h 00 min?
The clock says 12 h 26 min
